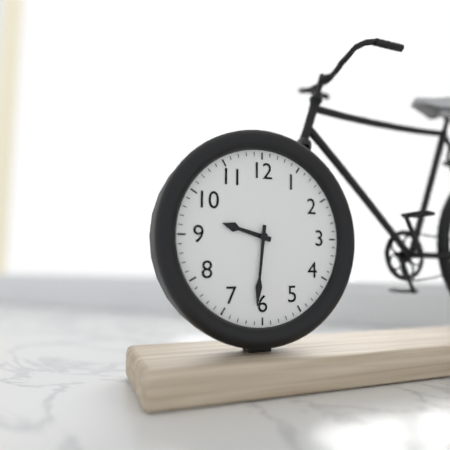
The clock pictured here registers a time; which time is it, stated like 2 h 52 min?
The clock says 9 h 31 min
